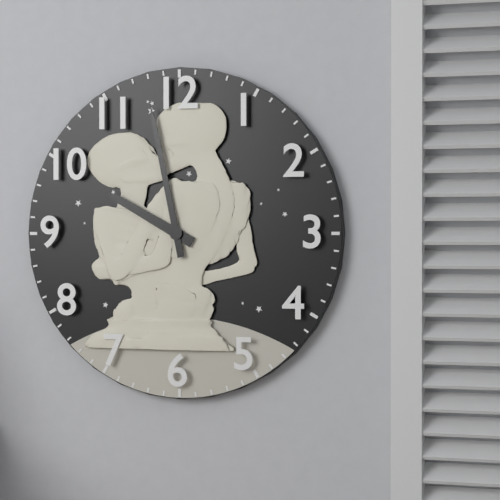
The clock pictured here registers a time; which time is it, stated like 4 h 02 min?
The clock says 9 h 58 min
